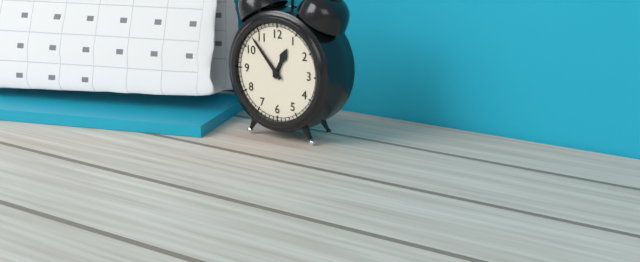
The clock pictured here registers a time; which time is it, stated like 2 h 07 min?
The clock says 12 h 53 min
